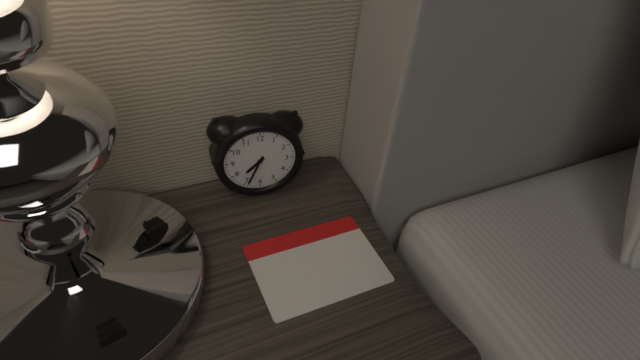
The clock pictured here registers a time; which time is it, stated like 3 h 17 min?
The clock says 7 h 34 min
